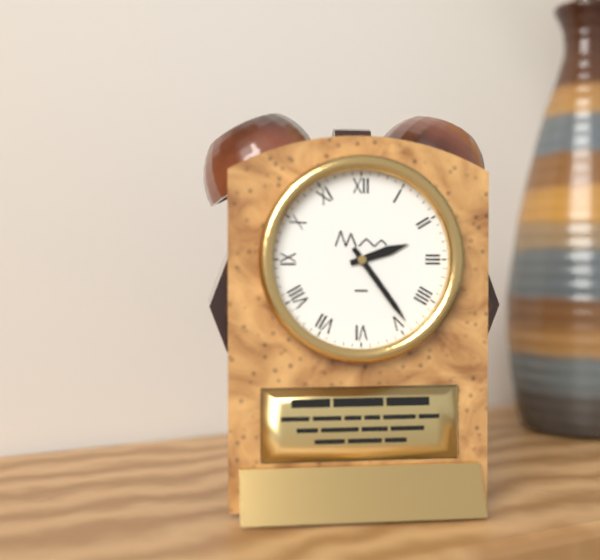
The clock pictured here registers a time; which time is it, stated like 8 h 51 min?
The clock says 2 h 24 min
